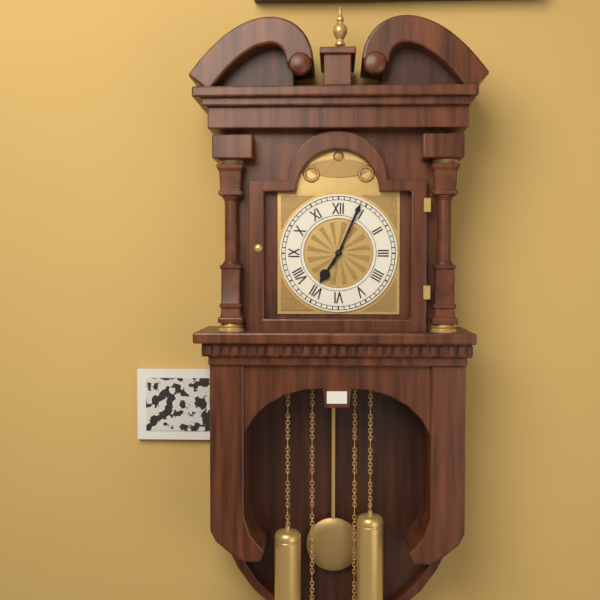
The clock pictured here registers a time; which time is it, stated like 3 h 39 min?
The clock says 7 h 04 min
